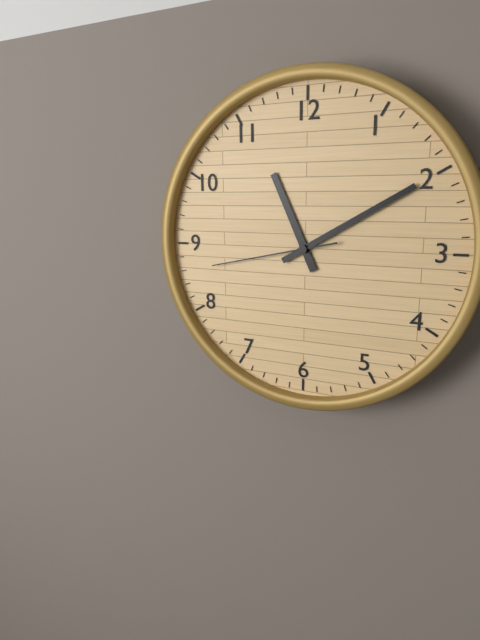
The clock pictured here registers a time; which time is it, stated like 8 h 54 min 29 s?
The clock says 11 h 10 min 43 s
